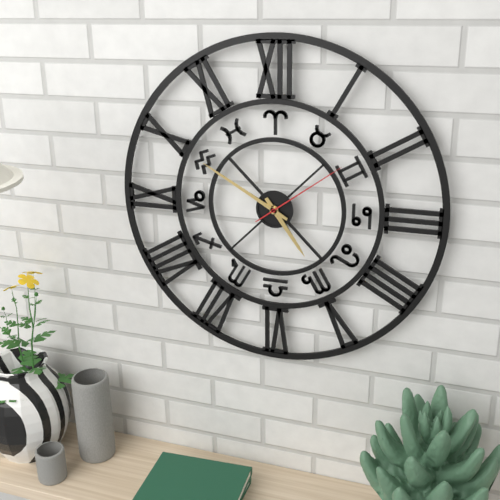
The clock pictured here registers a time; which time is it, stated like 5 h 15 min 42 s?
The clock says 4 h 50 min 09 s
